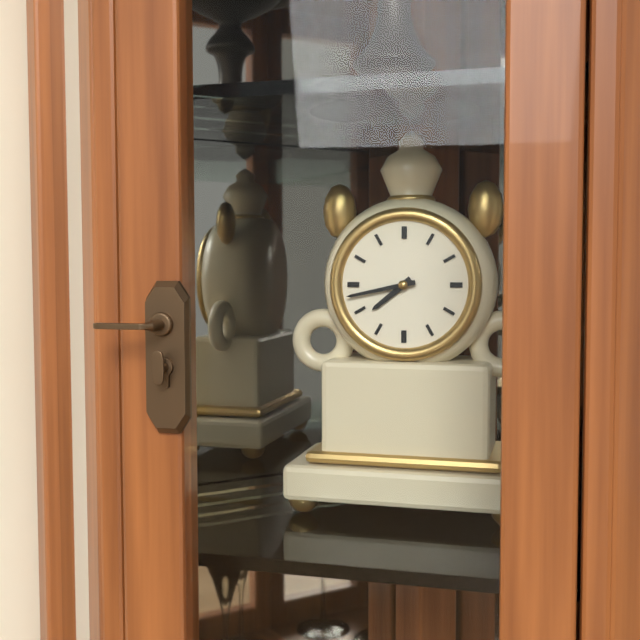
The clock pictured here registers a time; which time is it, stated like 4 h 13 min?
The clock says 7 h 43 min
